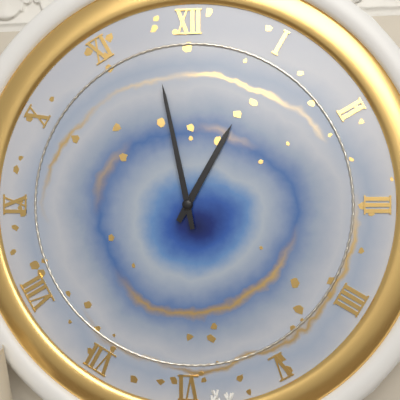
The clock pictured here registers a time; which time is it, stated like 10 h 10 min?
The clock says 12 h 58 min
